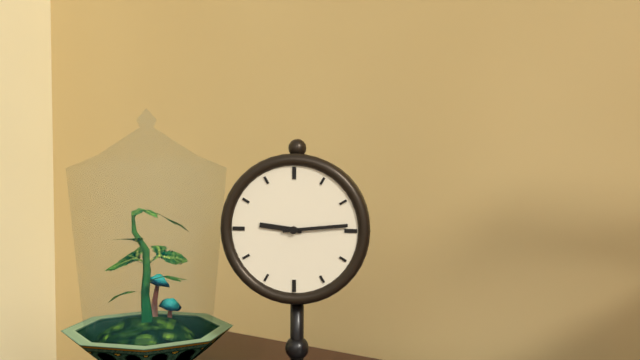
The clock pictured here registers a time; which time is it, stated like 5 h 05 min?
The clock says 9 h 14 min
